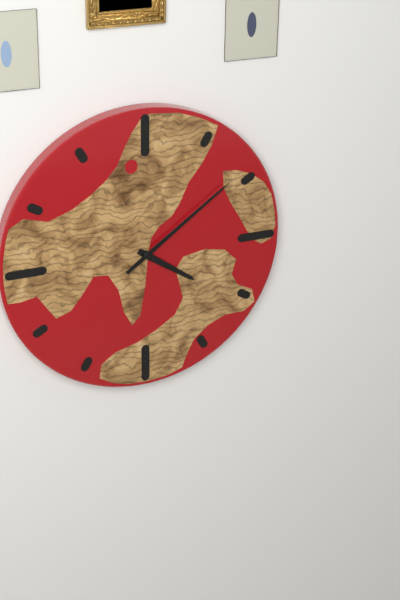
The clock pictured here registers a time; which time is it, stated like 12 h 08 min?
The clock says 4 h 09 min
